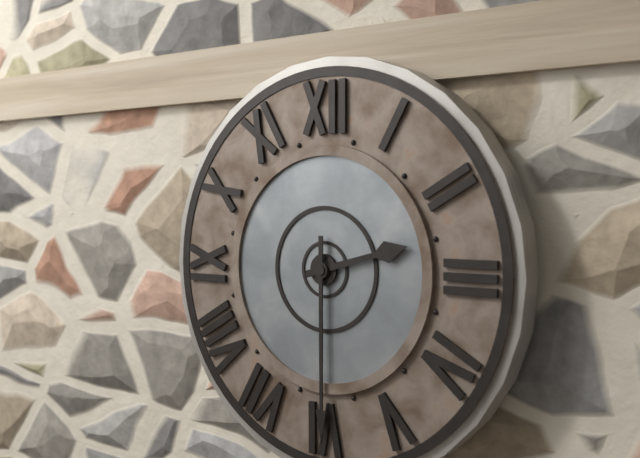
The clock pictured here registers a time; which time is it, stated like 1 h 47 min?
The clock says 2 h 30 min
